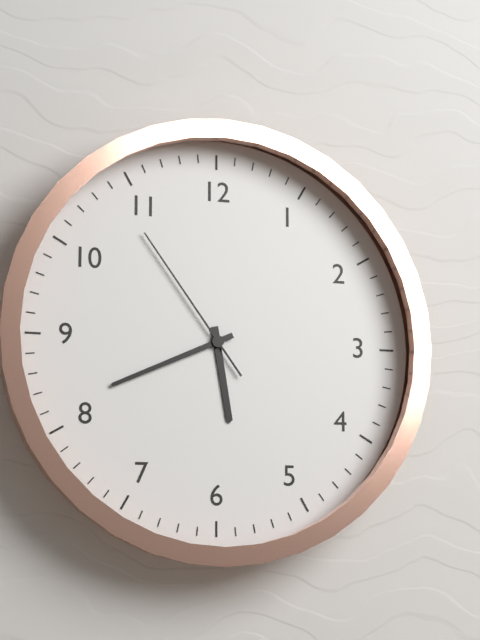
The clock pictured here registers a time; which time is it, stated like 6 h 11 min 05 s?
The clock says 5 h 41 min 54 s
